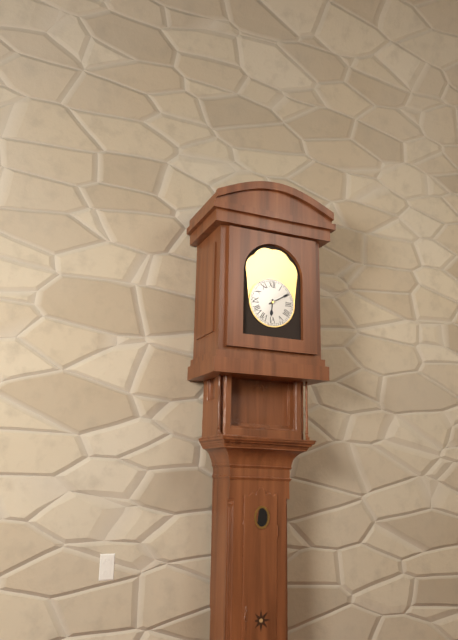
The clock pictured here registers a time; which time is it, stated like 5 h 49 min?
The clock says 6 h 10 min
